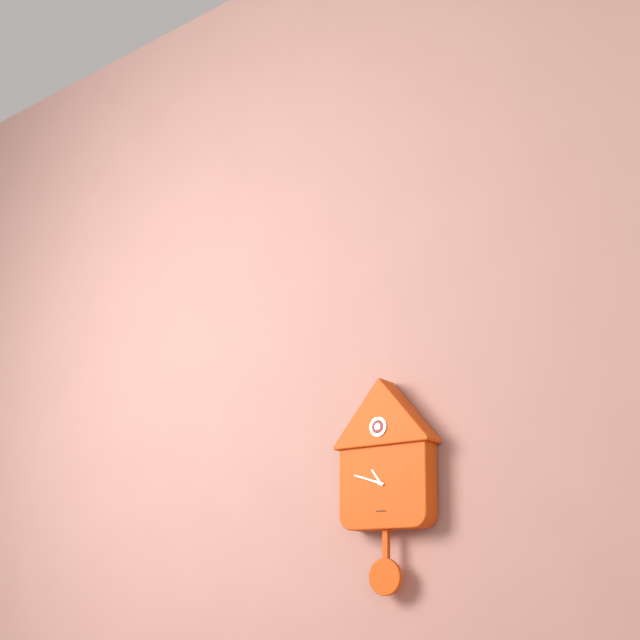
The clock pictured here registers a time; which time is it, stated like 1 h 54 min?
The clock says 10 h 48 min
